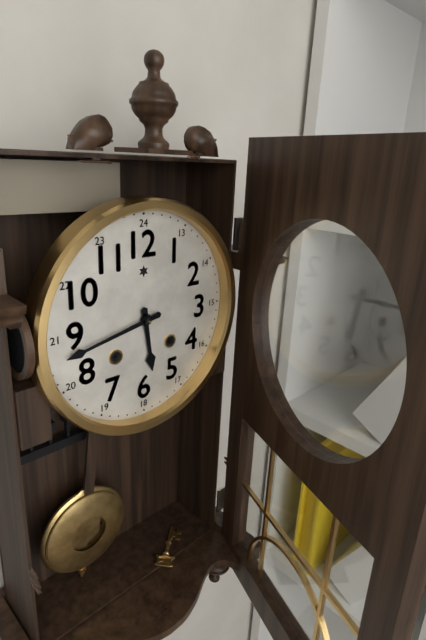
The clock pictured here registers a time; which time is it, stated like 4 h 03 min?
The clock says 5 h 43 min
